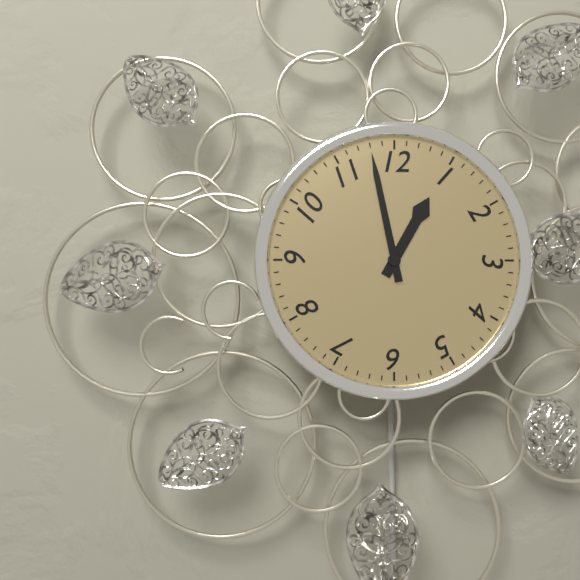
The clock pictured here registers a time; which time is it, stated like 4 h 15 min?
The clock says 12 h 58 min
